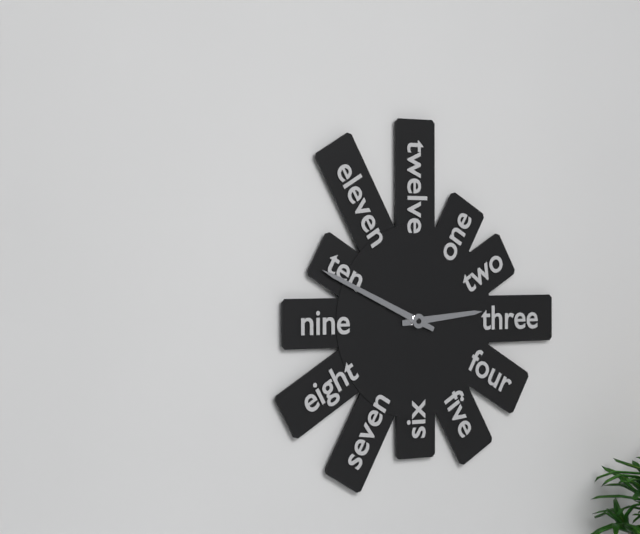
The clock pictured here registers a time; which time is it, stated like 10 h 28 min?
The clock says 2 h 49 min
